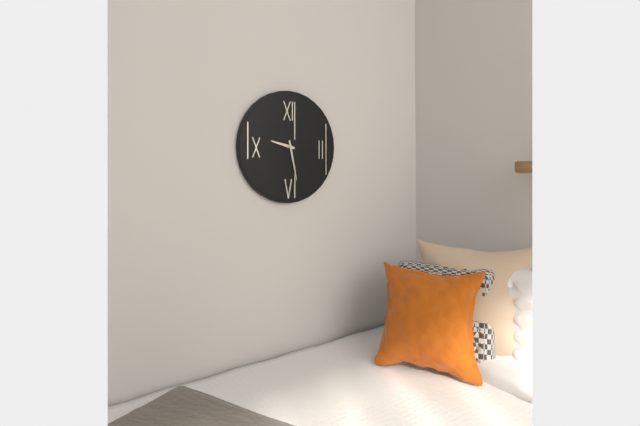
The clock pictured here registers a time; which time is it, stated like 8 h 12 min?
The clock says 9 h 28 min
